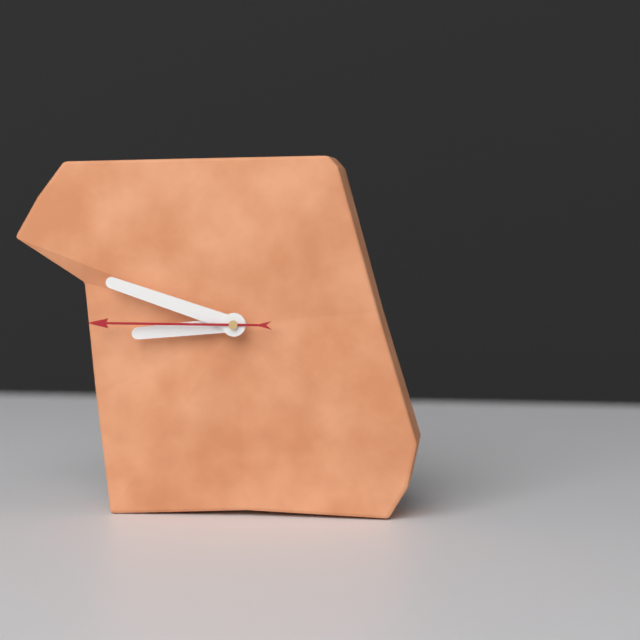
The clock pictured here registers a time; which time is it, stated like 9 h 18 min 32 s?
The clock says 8 h 48 min 45 s
